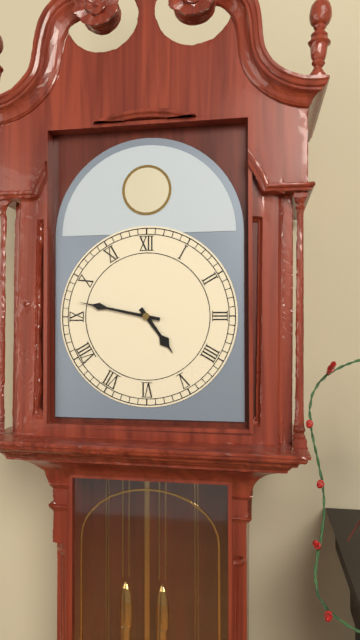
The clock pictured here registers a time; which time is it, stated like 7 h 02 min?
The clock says 4 h 47 min
